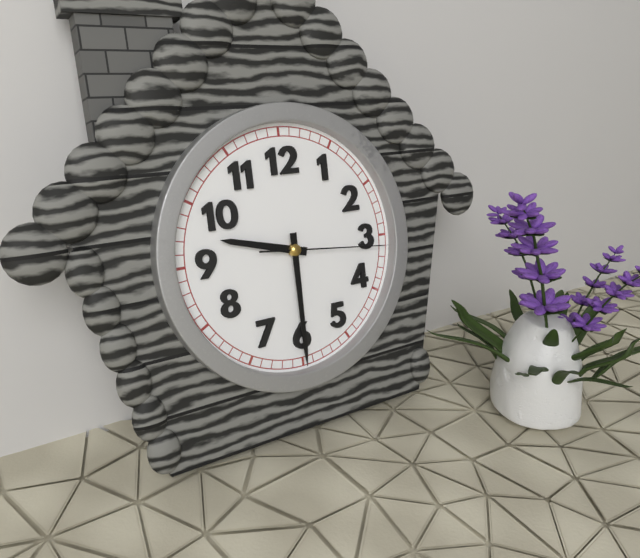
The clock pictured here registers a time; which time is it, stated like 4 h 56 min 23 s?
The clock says 9 h 30 min 16 s
